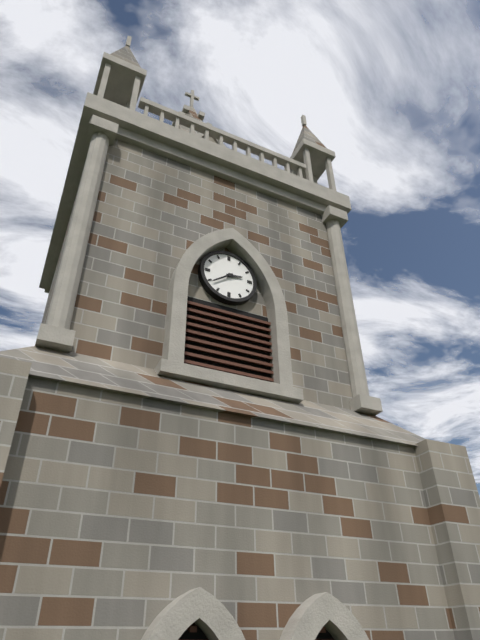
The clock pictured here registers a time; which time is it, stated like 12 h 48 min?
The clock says 2 h 39 min
